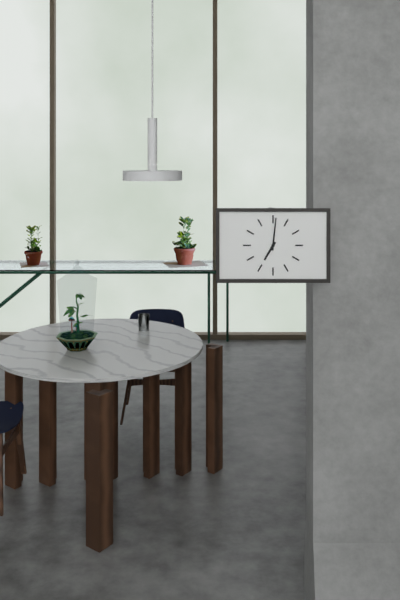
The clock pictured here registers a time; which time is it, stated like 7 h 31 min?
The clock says 7 h 01 min
